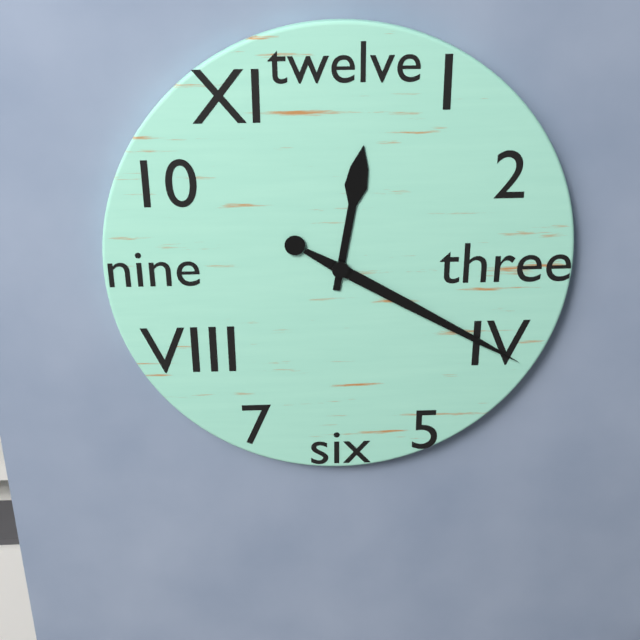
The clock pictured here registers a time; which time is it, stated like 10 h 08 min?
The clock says 12 h 20 min
